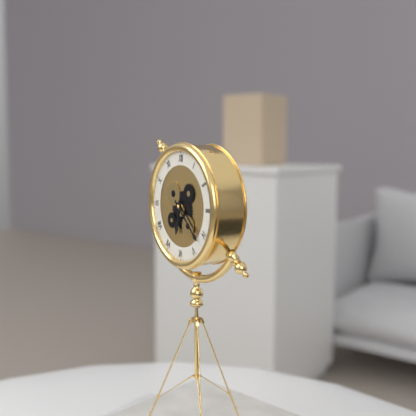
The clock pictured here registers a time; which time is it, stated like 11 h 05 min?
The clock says 6 h 22 min
